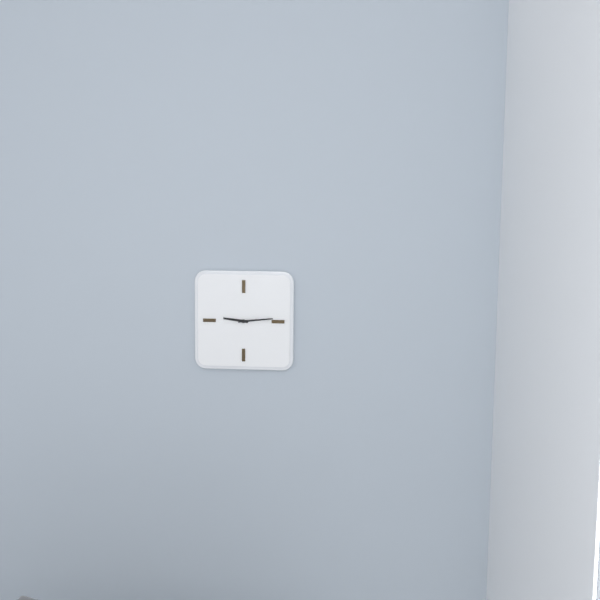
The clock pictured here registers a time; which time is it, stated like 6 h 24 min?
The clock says 9 h 14 min
